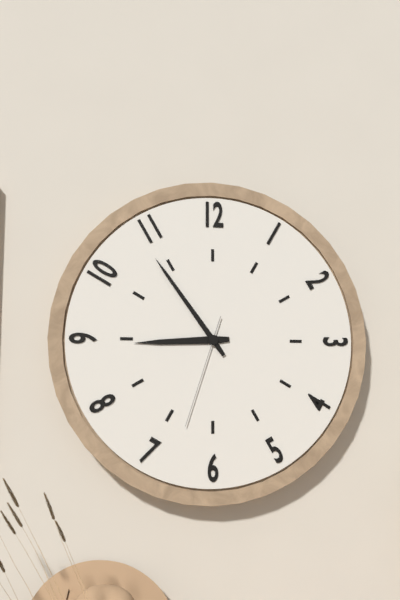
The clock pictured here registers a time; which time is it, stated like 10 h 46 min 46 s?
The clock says 8 h 54 min 33 s
